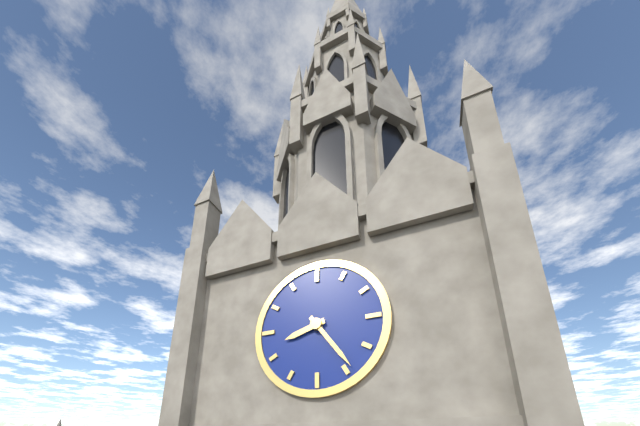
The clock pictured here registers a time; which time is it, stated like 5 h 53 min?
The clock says 8 h 24 min
